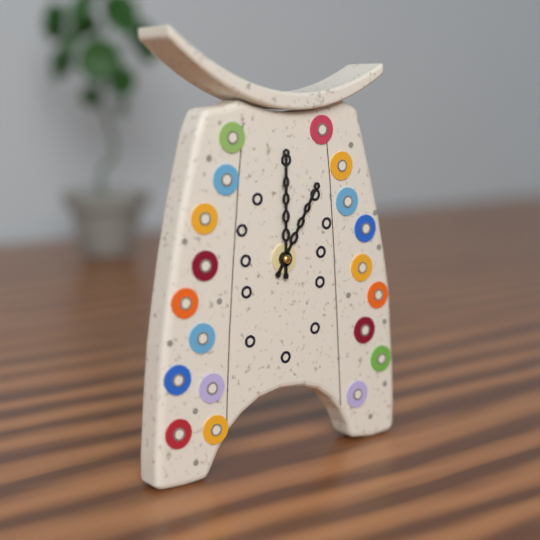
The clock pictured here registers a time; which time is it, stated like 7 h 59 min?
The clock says 1 h 00 min
